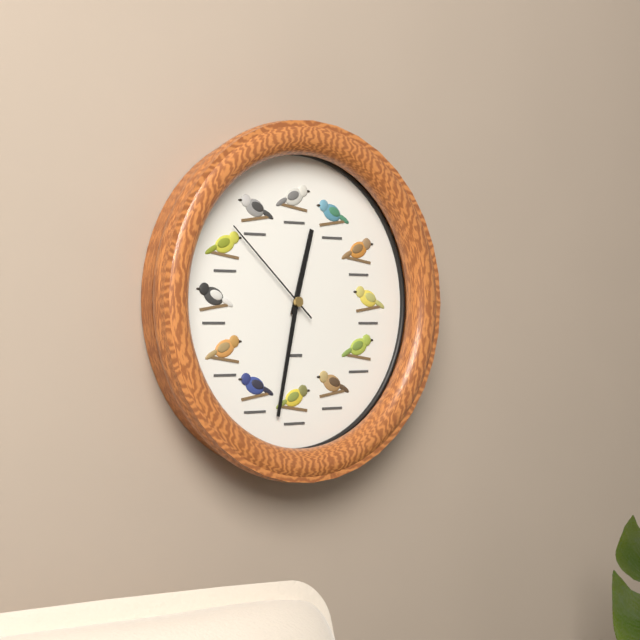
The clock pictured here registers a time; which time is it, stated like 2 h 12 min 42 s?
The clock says 12 h 32 min 52 s
